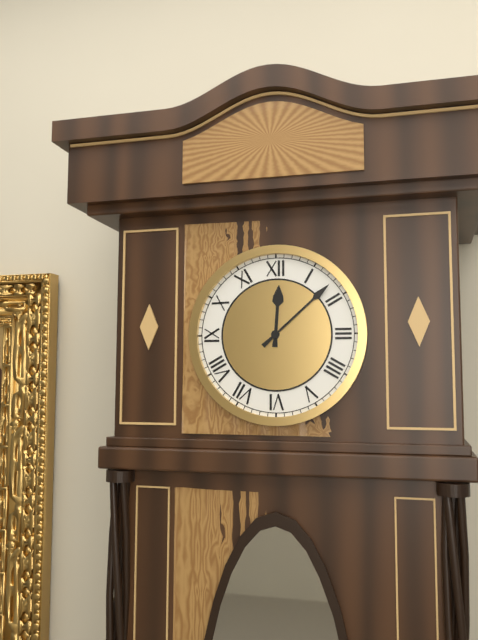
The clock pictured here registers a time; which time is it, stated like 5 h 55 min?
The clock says 12 h 08 min
